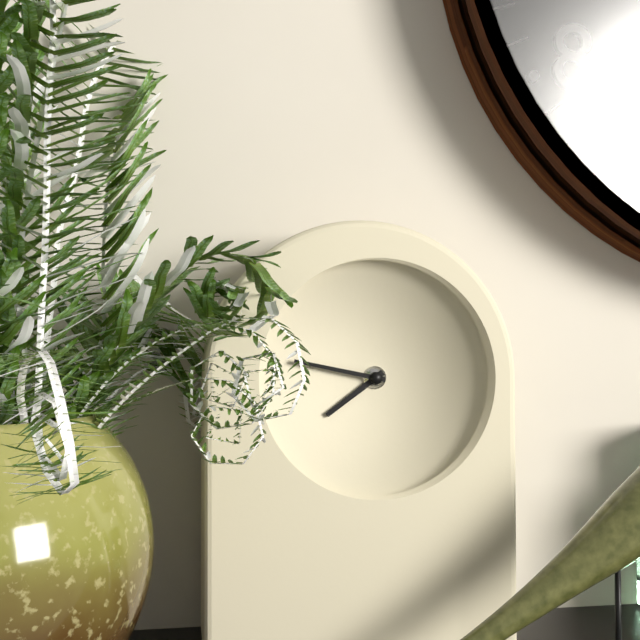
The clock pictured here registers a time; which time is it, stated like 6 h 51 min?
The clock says 7 h 47 min
